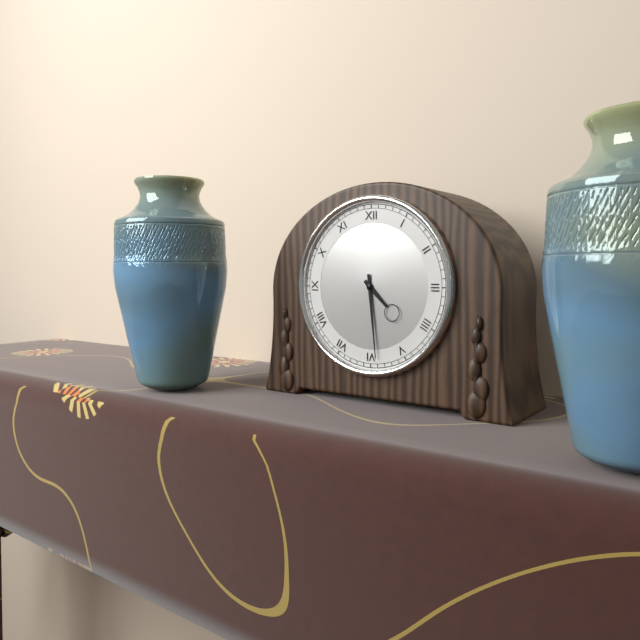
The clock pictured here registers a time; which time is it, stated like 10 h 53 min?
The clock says 4 h 29 min
